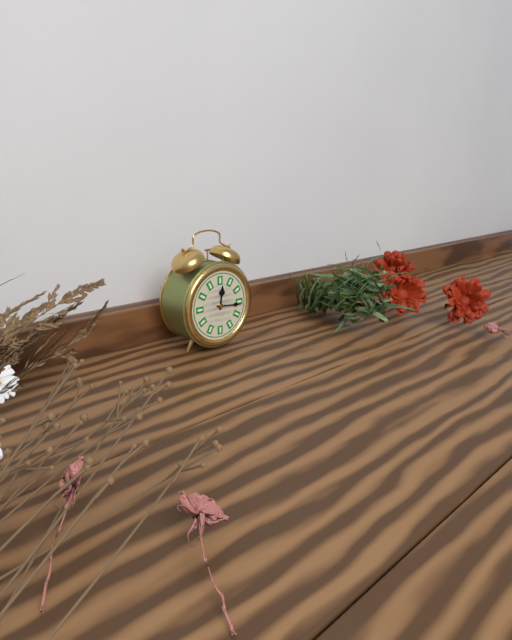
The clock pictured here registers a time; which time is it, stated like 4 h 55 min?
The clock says 12 h 16 min
